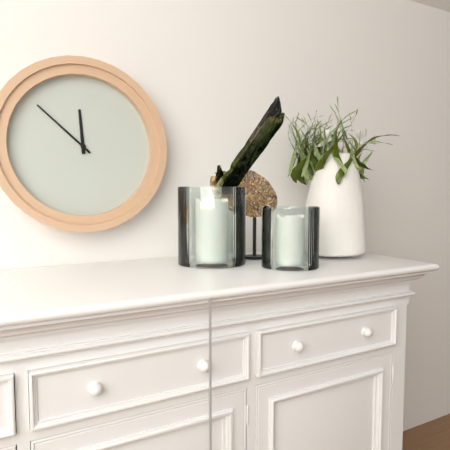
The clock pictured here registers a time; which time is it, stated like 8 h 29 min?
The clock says 11 h 52 min
